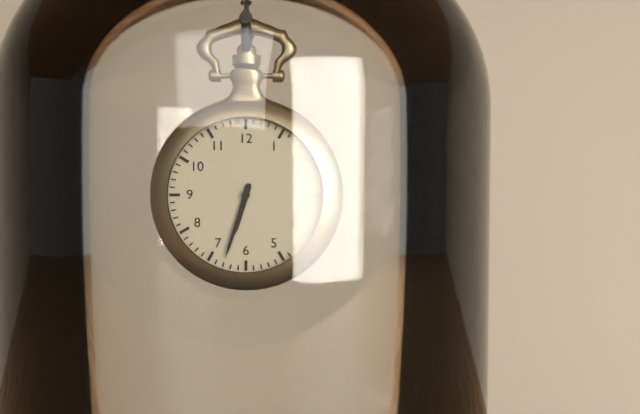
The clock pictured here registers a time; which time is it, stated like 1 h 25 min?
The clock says 6 h 33 min
